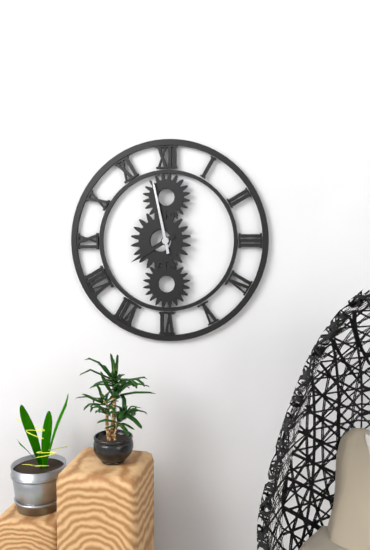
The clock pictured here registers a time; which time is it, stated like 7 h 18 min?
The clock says 7 h 58 min
